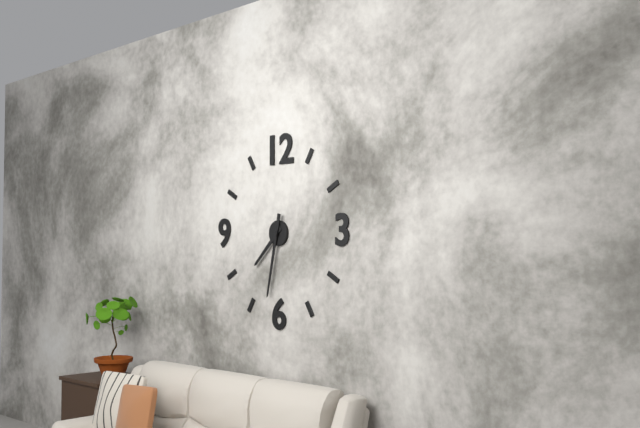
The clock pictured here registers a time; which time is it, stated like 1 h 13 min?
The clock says 7 h 32 min
